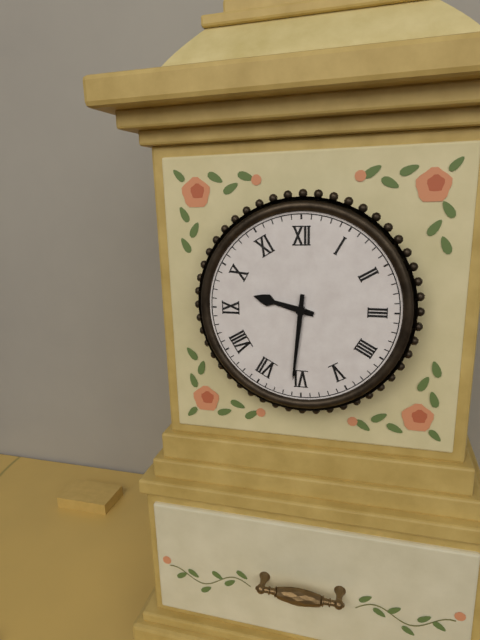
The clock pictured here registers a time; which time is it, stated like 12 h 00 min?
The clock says 9 h 31 min
